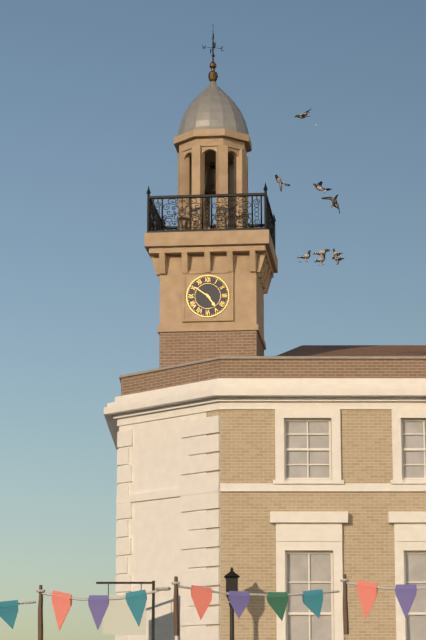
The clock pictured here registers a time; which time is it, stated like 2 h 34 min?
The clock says 4 h 51 min
